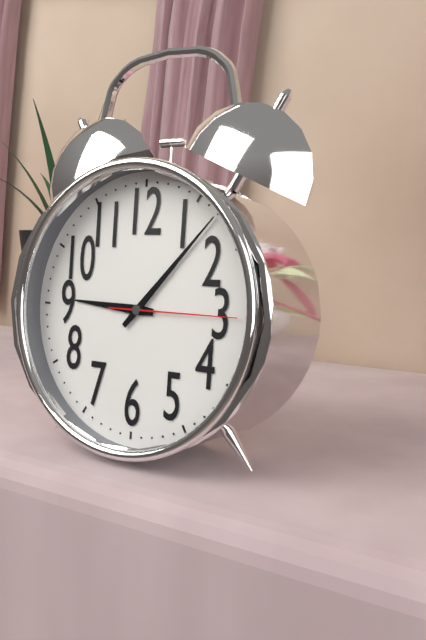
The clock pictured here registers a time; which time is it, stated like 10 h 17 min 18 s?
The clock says 9 h 07 min 15 s
